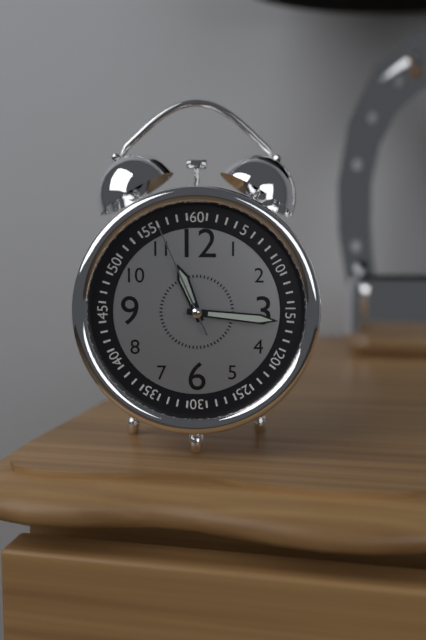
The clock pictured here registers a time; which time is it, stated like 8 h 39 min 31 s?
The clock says 11 h 16 min 56 s
